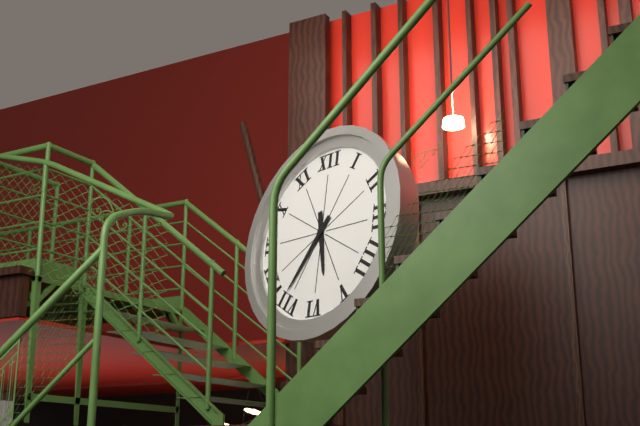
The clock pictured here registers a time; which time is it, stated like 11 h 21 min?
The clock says 5 h 36 min
